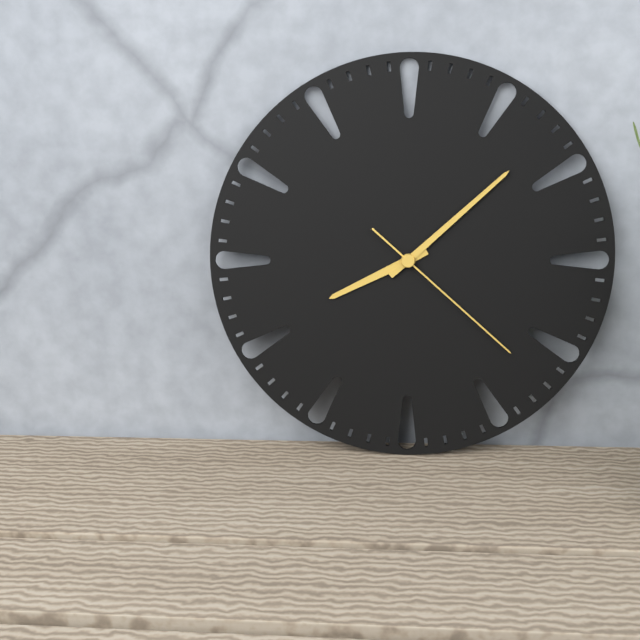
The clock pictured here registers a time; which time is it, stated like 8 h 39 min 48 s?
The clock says 8 h 08 min 22 s
